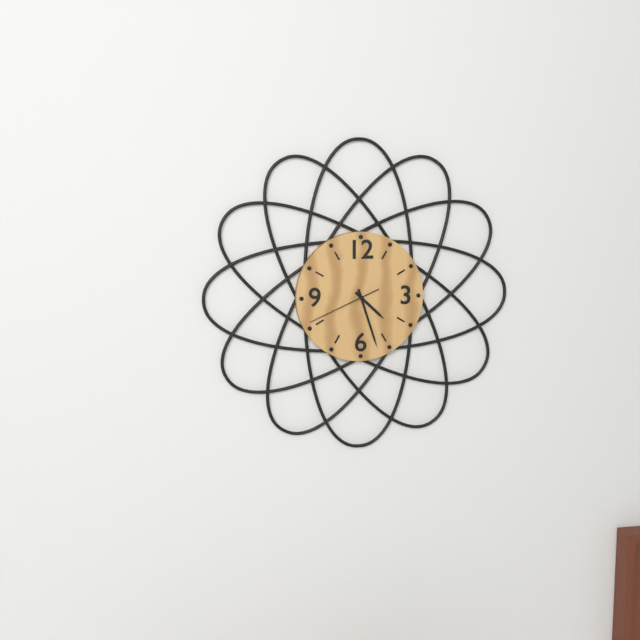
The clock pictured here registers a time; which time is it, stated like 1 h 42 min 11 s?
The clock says 4 h 27 min 41 s
